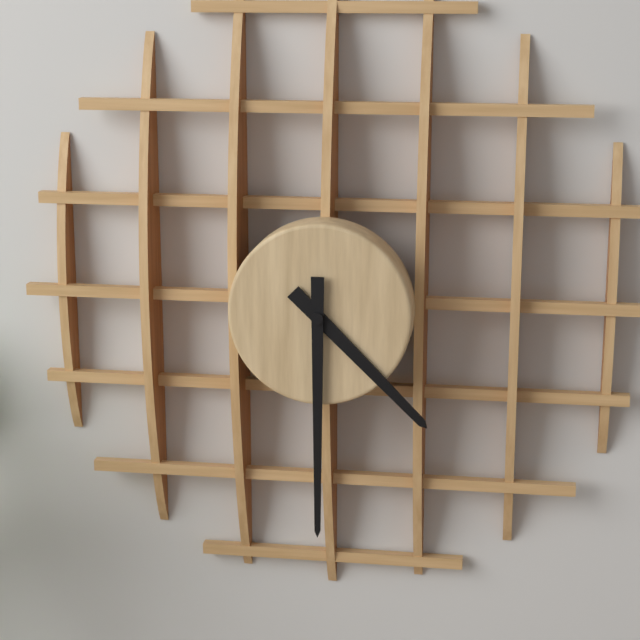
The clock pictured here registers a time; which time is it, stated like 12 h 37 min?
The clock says 4 h 30 min
